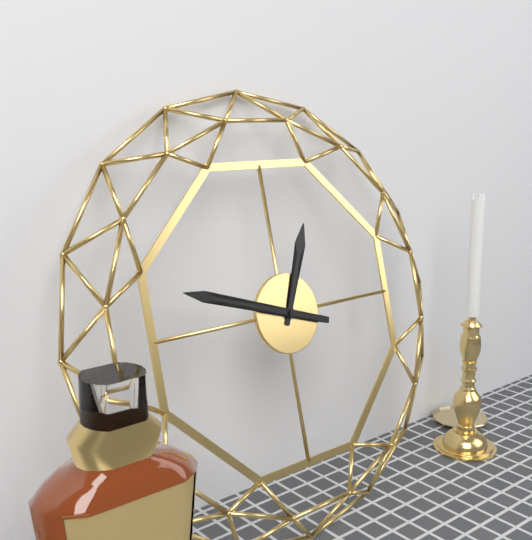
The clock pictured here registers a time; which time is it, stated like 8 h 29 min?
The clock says 12 h 48 min
